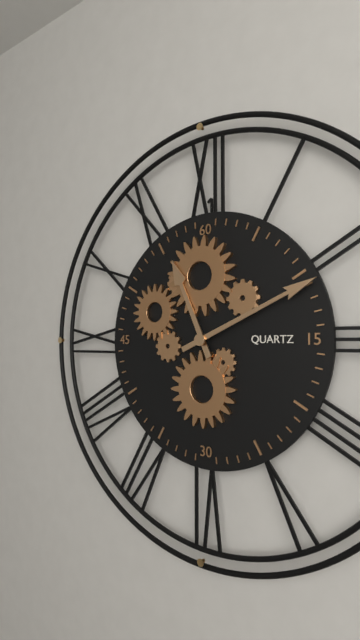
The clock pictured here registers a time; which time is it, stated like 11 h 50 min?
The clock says 11 h 11 min
